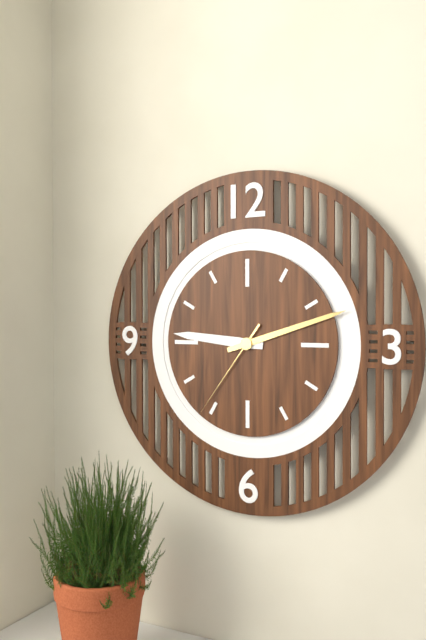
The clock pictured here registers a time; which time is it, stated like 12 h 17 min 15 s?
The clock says 9 h 12 min 36 s
